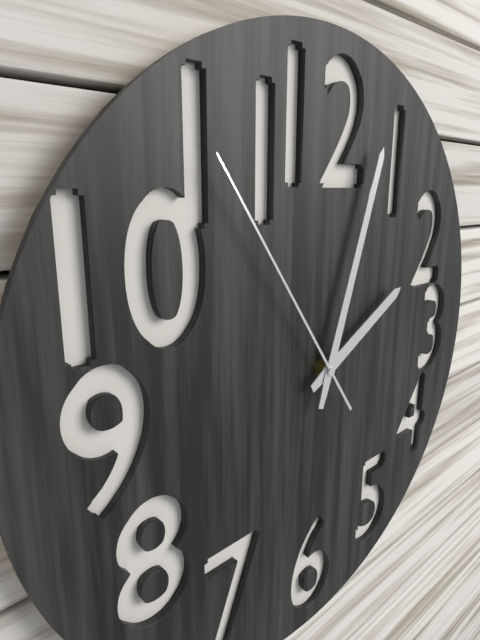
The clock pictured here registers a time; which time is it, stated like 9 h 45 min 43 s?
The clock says 2 h 03 min 54 s
